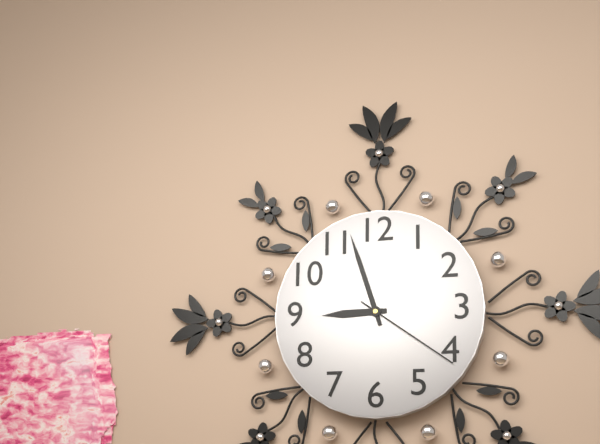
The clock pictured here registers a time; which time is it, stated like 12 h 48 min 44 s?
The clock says 8 h 57 min 21 s
